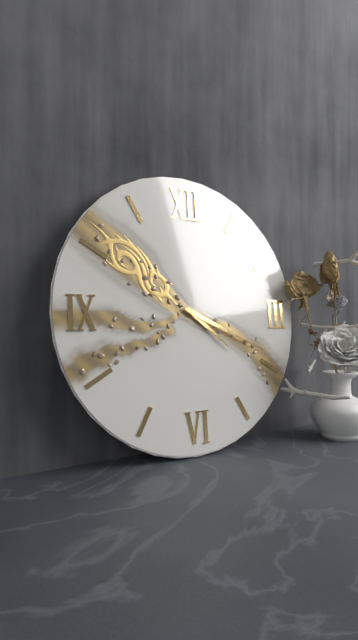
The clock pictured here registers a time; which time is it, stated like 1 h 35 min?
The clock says 4 h 19 min
